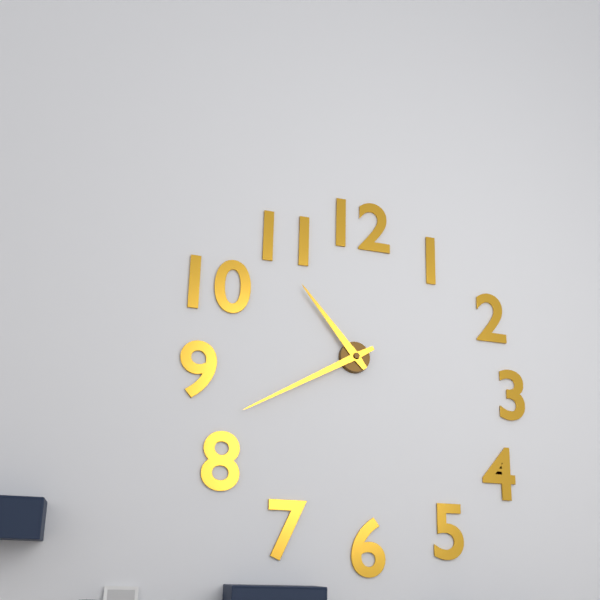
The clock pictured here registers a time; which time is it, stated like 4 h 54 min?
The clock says 10 h 40 min
